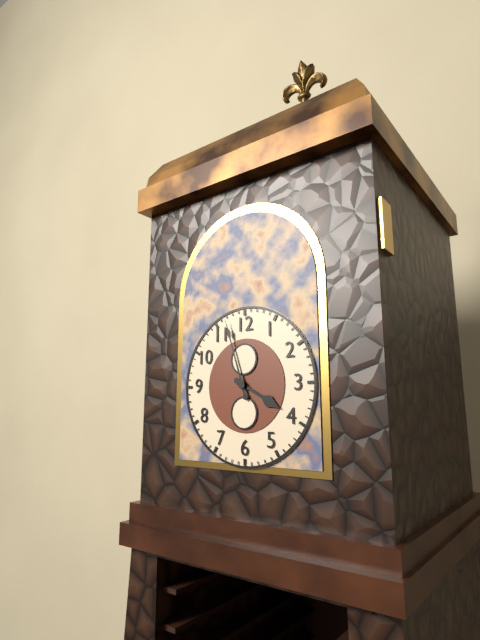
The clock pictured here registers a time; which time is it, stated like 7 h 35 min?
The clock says 3 h 57 min
